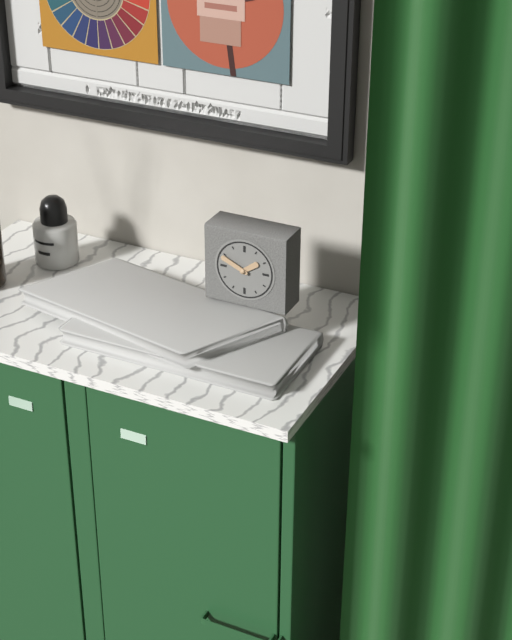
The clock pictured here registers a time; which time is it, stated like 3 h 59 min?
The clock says 1 h 49 min
